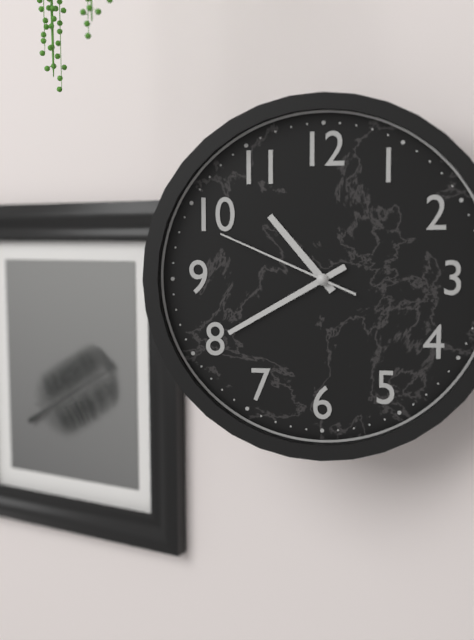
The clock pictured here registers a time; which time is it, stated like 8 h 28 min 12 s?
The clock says 10 h 40 min 49 s
